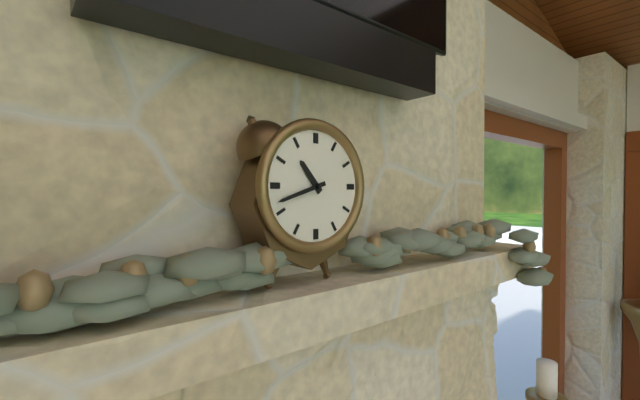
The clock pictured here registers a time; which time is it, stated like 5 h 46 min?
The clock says 10 h 42 min
